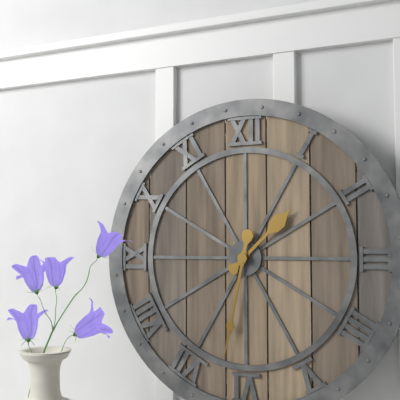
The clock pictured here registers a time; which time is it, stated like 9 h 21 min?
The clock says 1 h 32 min
